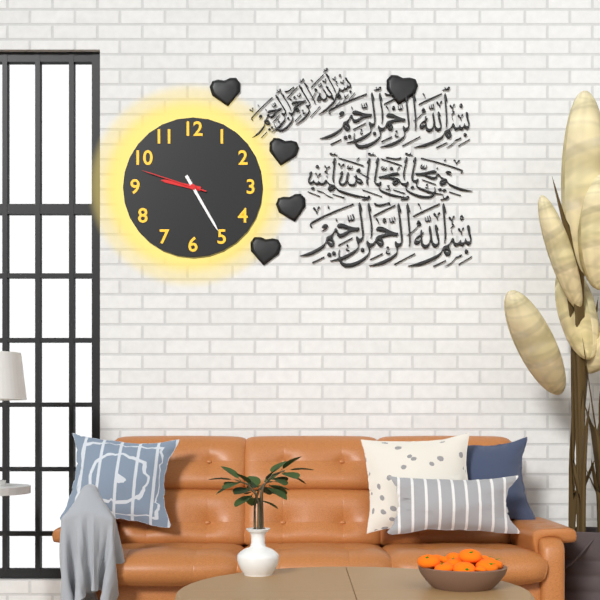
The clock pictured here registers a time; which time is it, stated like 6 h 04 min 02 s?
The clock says 9 h 25 min 48 s
